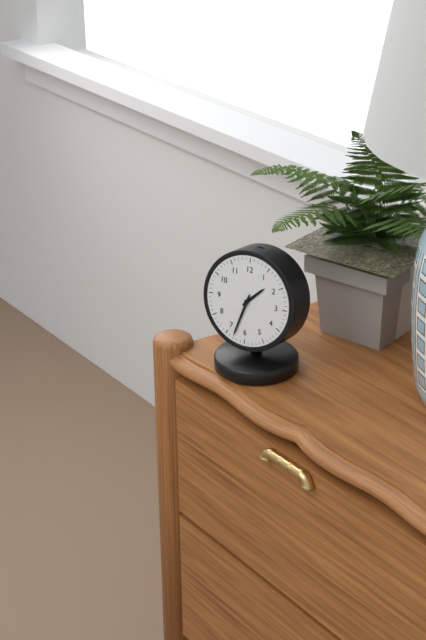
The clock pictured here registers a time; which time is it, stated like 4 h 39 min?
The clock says 1 h 33 min
